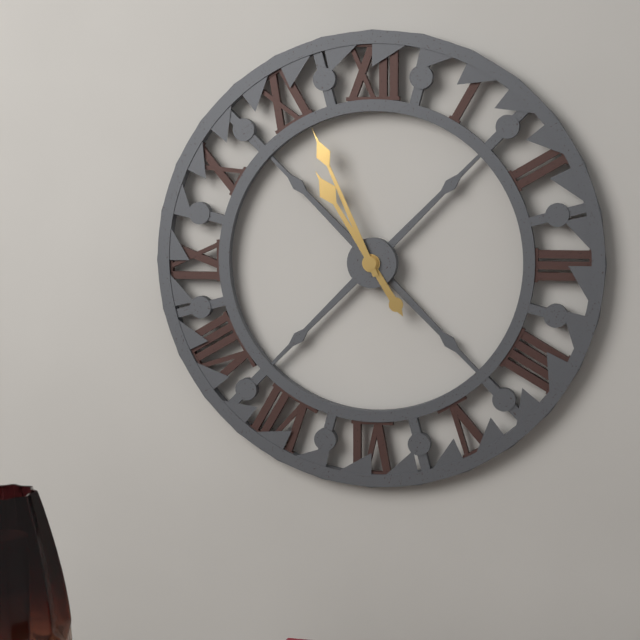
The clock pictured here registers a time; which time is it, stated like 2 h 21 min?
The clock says 10 h 56 min
